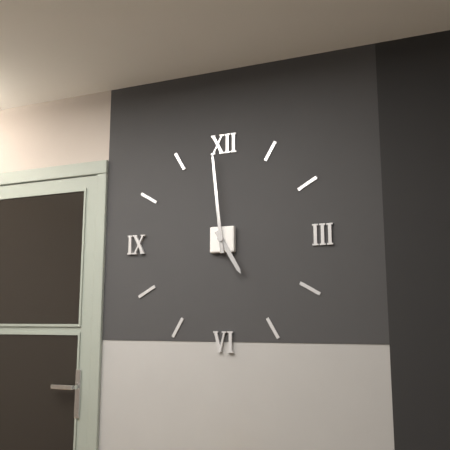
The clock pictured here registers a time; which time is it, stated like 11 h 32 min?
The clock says 4 h 59 min
